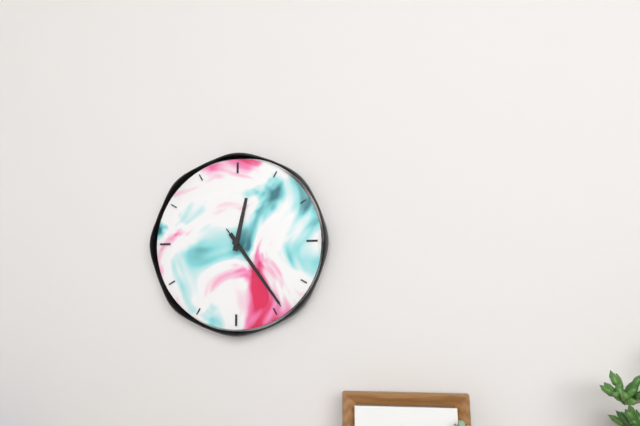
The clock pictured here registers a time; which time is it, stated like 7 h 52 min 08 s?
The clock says 12 h 24 min 24 s
